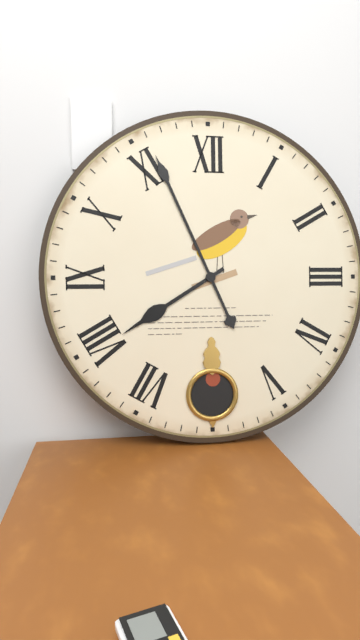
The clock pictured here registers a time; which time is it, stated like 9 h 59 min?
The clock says 7 h 56 min
